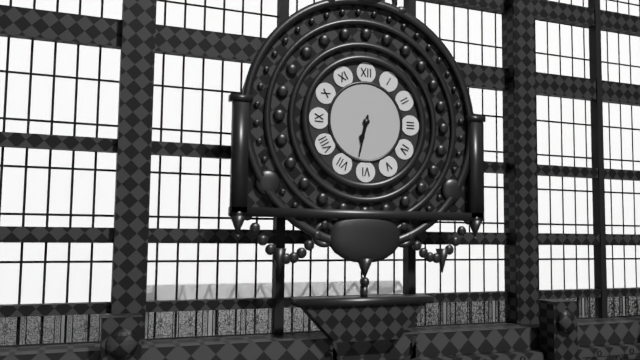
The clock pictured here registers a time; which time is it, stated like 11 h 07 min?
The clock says 6 h 32 min
